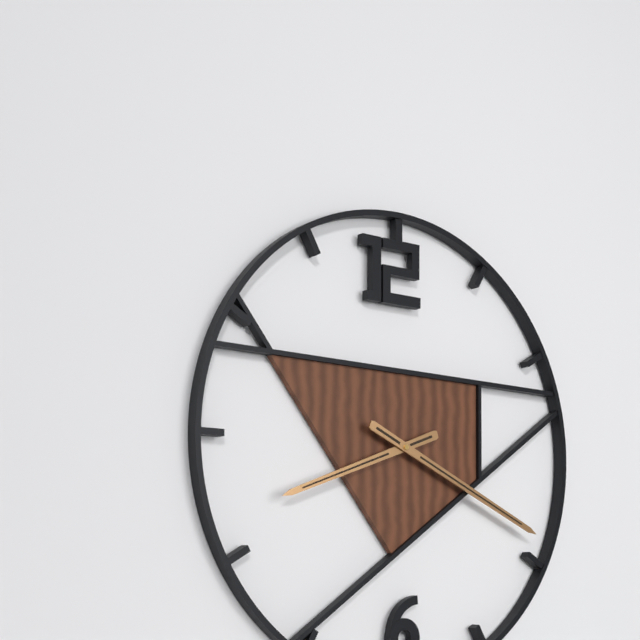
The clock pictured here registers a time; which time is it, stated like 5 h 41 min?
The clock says 8 h 19 min
